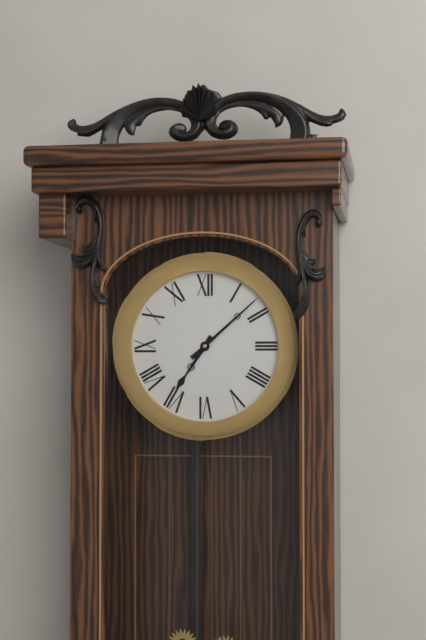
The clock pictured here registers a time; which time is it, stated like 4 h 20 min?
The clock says 7 h 08 min
